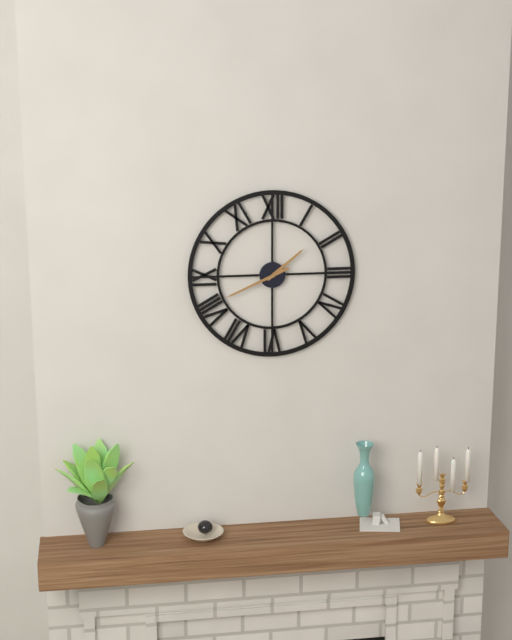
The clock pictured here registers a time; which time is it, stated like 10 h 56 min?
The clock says 1 h 41 min
